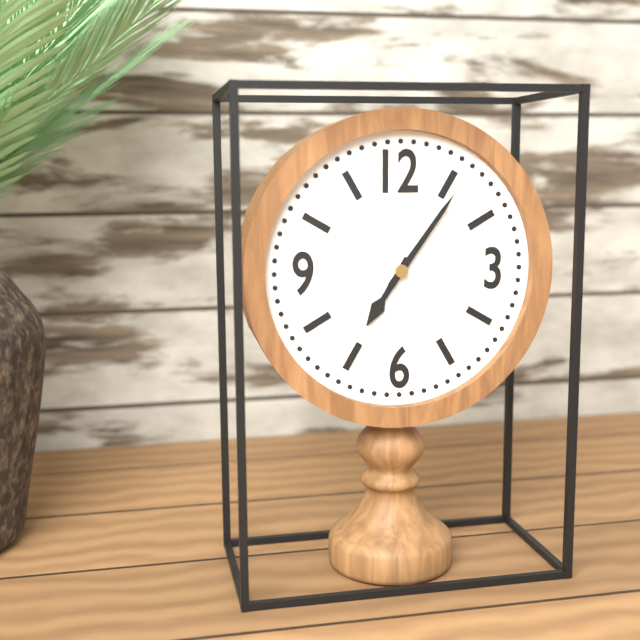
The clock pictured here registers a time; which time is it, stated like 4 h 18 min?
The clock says 7 h 06 min
